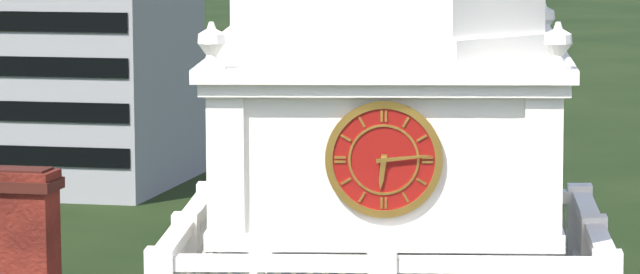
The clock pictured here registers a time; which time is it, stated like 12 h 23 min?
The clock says 6 h 14 min
